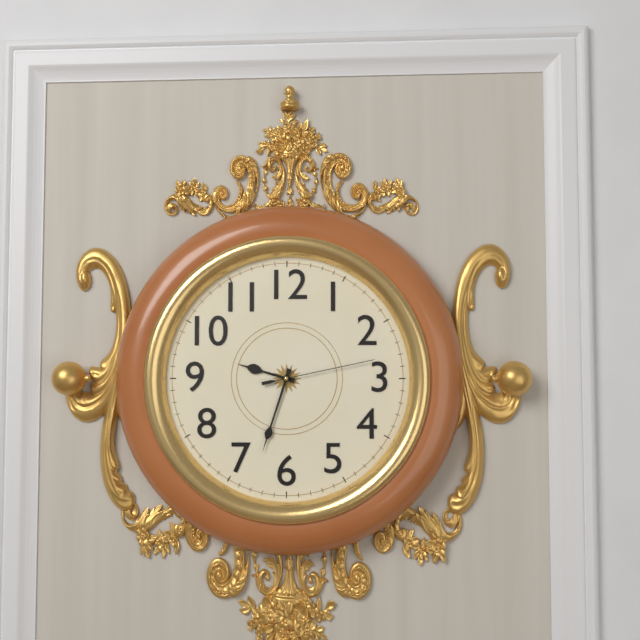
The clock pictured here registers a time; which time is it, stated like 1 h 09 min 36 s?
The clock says 9 h 33 min 13 s
